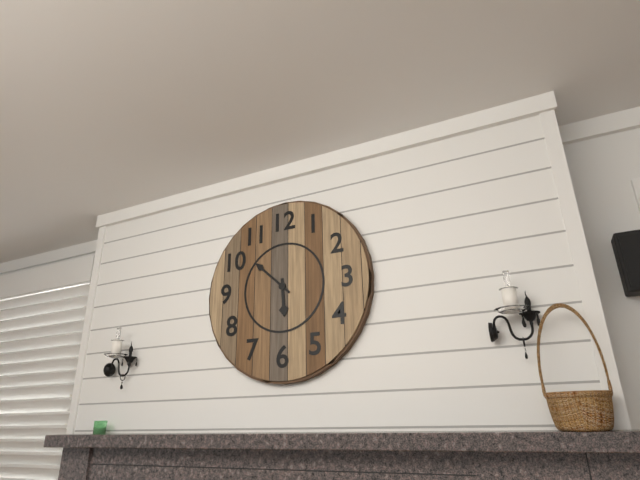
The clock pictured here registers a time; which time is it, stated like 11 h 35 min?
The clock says 5 h 52 min
